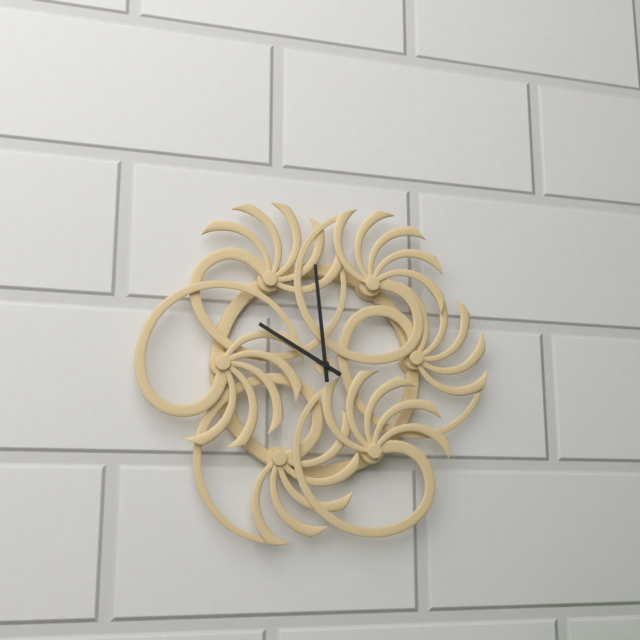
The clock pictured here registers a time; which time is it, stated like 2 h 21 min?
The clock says 9 h 59 min
